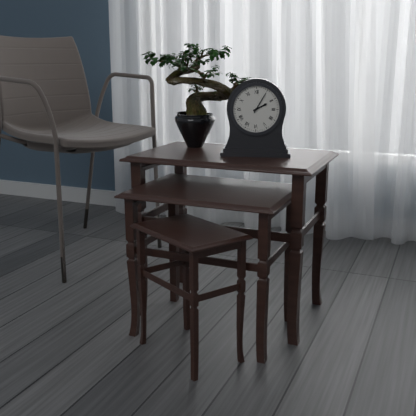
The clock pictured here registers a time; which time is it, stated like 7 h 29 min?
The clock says 2 h 05 min
